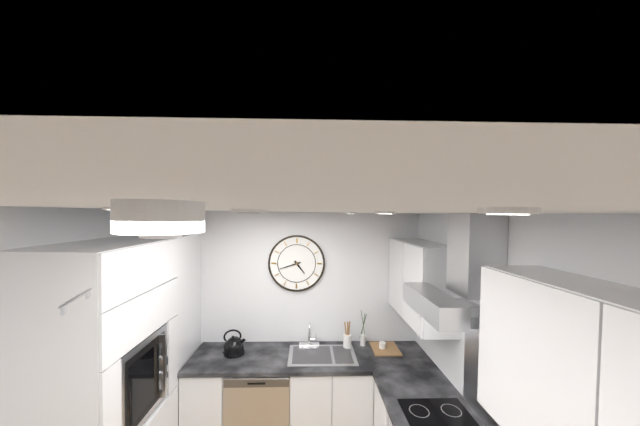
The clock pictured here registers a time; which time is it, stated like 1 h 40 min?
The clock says 4 h 42 min
